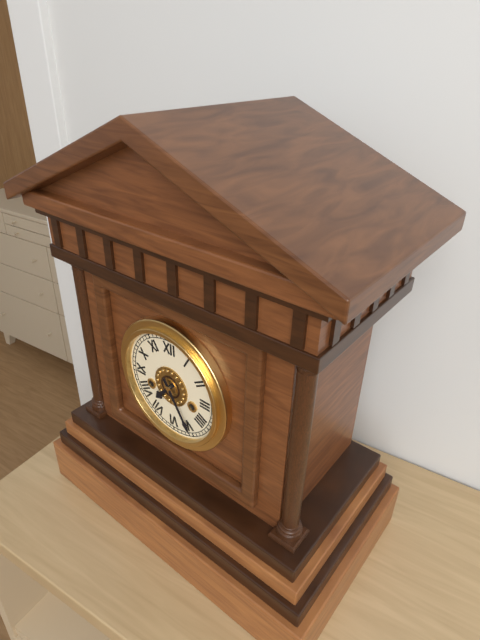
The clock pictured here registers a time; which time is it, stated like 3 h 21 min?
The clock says 7 h 25 min
